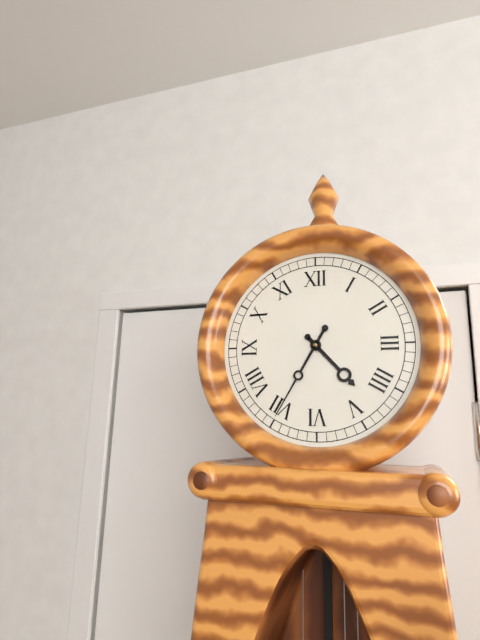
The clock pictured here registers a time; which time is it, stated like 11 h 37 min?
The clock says 4 h 35 min
